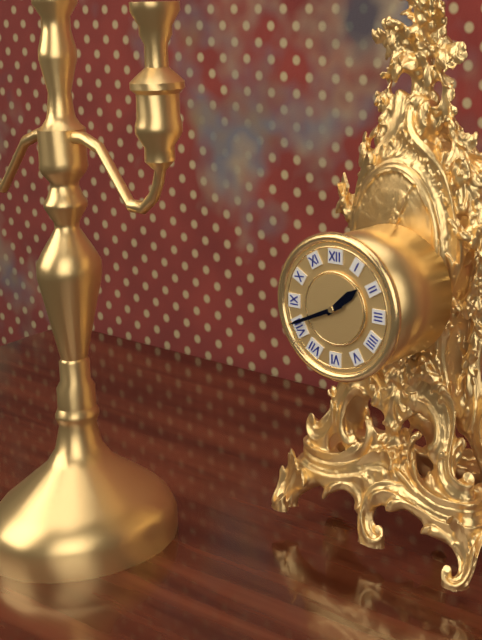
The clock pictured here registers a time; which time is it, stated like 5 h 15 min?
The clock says 1 h 41 min
